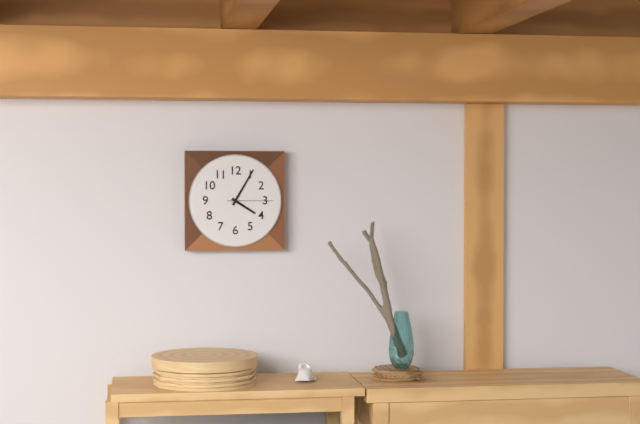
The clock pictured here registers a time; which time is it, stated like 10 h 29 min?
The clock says 4 h 05 min
